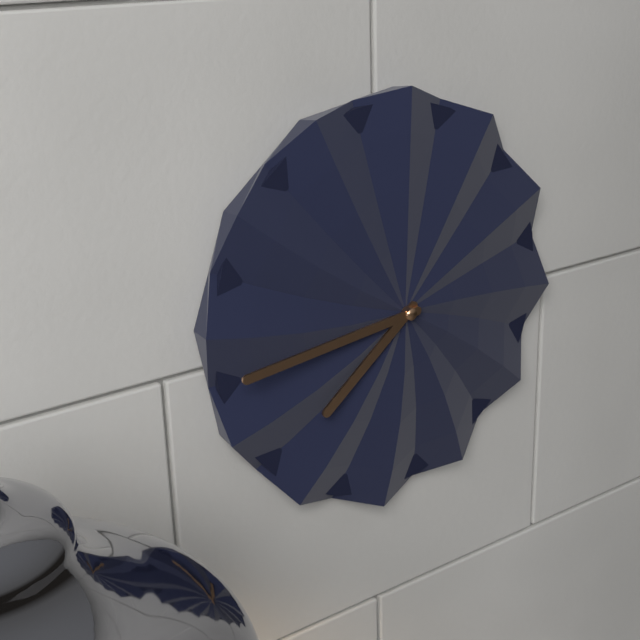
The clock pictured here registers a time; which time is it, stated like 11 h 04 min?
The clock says 7 h 44 min
